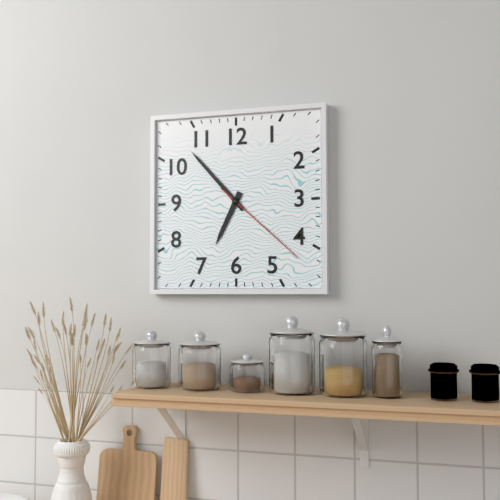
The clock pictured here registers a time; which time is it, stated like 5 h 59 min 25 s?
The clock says 6 h 53 min 22 s
